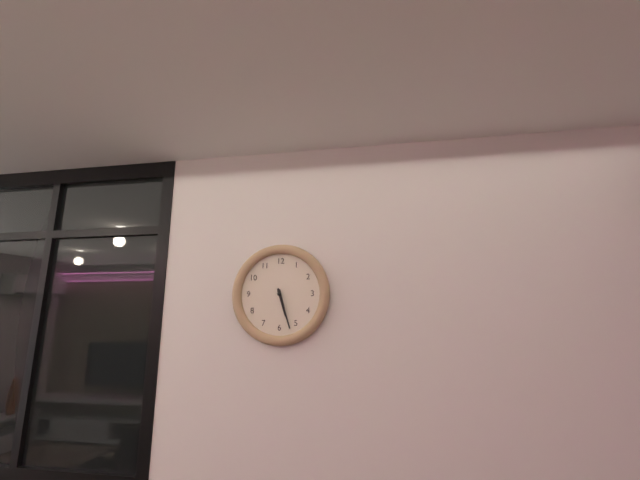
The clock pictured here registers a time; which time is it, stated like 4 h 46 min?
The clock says 5 h 27 min
